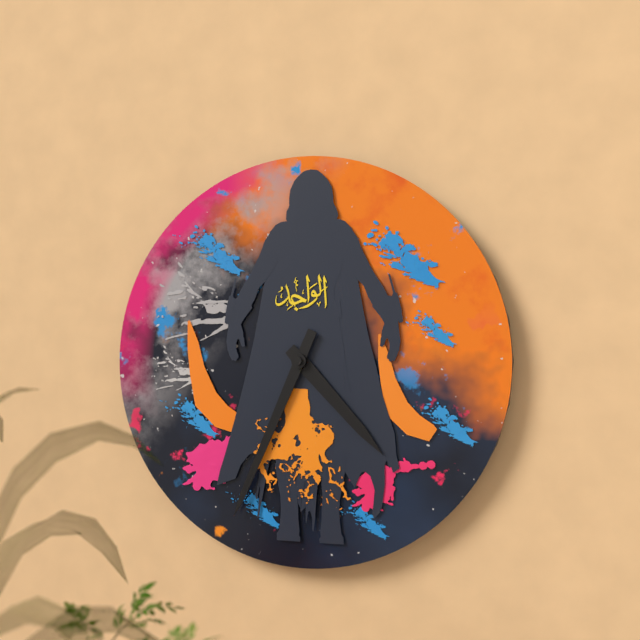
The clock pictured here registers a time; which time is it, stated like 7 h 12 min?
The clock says 4 h 34 min
